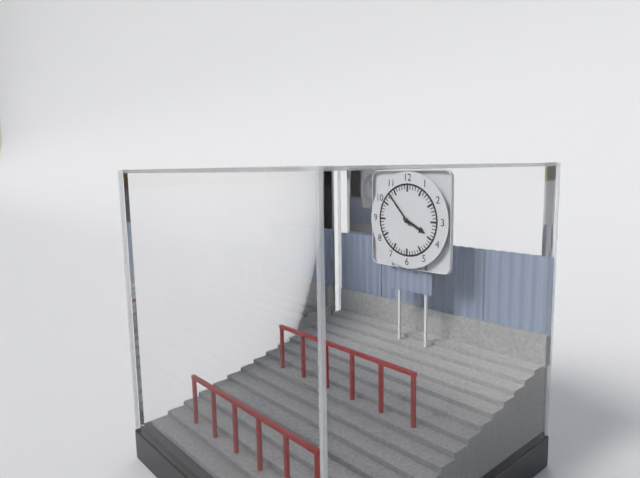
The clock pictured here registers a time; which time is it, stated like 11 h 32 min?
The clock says 3 h 53 min
